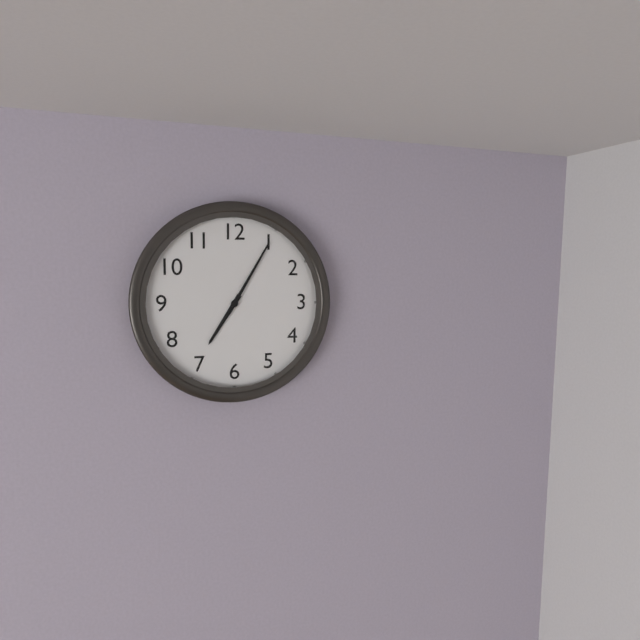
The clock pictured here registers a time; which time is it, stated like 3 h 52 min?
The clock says 7 h 05 min
